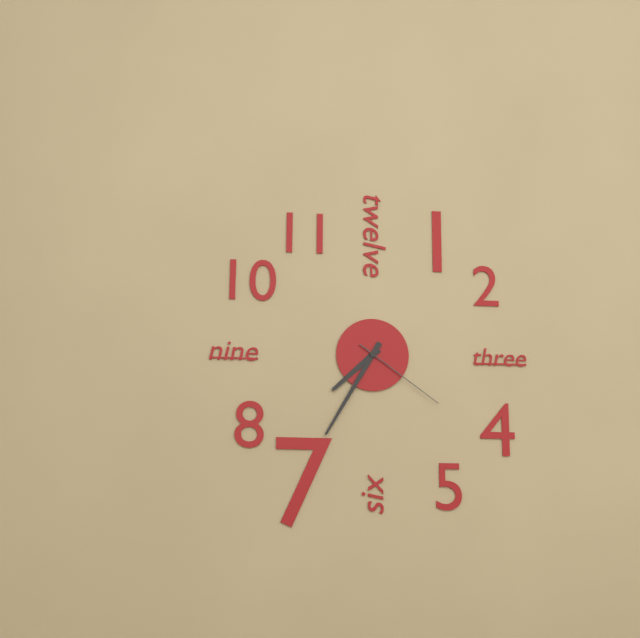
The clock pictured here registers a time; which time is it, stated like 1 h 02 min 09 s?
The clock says 7 h 35 min 21 s
